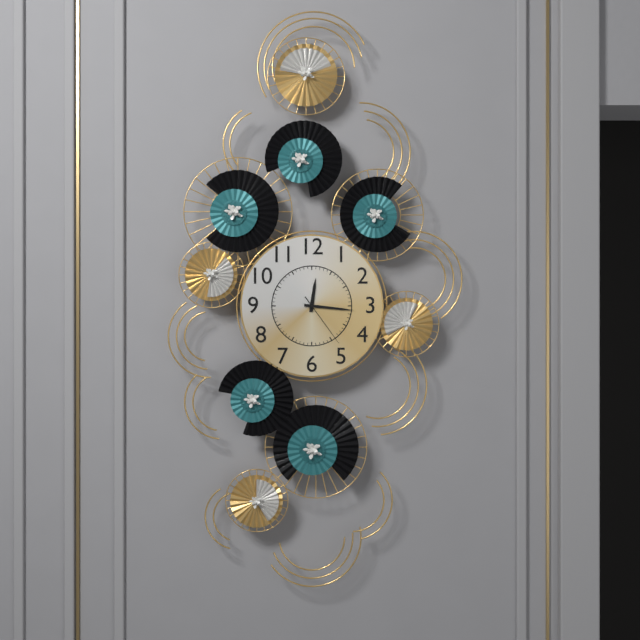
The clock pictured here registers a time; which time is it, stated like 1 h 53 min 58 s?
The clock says 12 h 16 min 24 s
